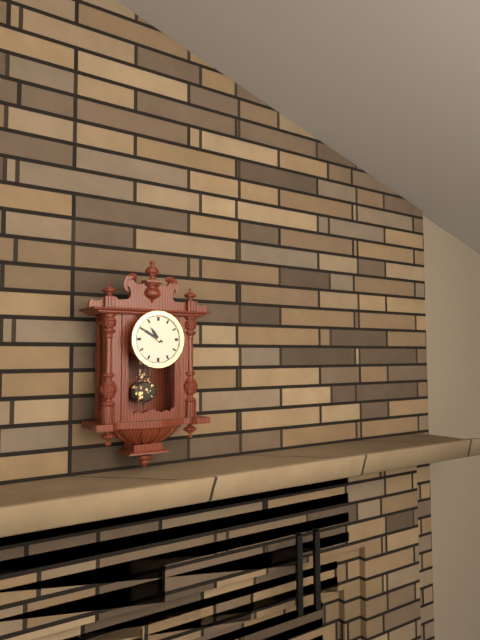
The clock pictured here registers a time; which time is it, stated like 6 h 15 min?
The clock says 10 h 50 min
